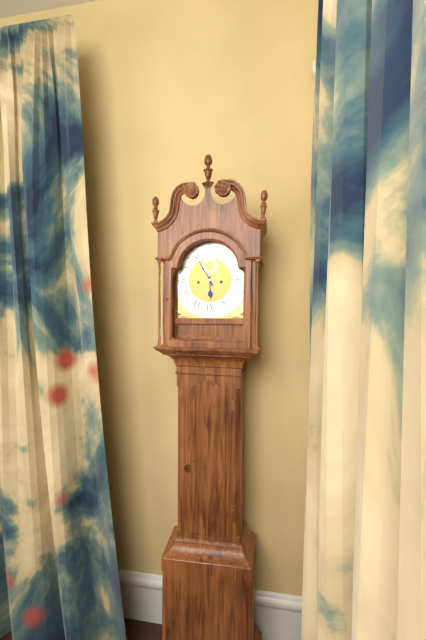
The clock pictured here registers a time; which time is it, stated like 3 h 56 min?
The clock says 5 h 55 min
